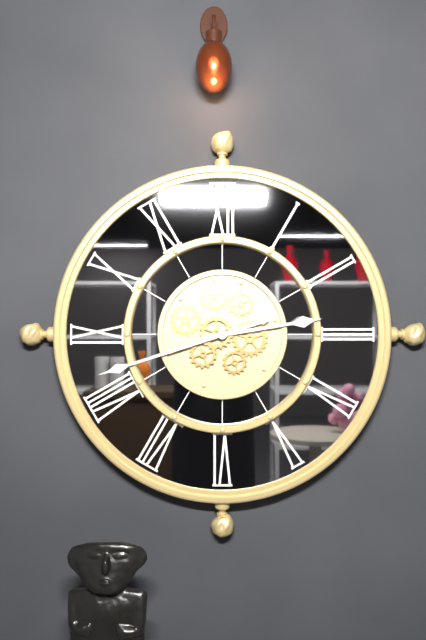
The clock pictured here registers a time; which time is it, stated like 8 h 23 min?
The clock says 2 h 42 min
